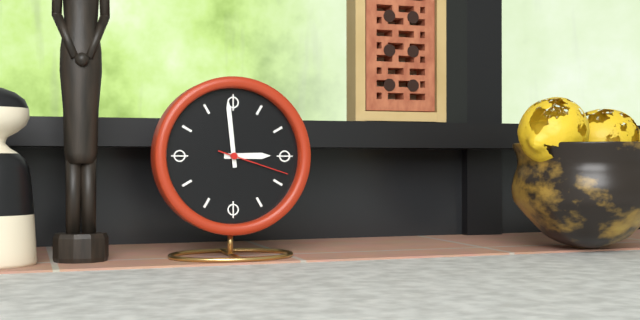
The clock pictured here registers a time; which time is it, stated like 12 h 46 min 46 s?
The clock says 2 h 59 min 18 s
